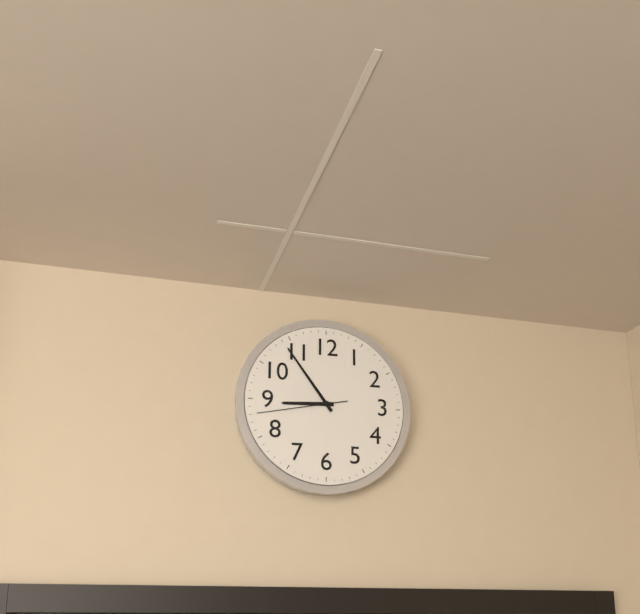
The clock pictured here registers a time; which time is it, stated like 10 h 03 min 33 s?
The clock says 8 h 54 min 43 s
